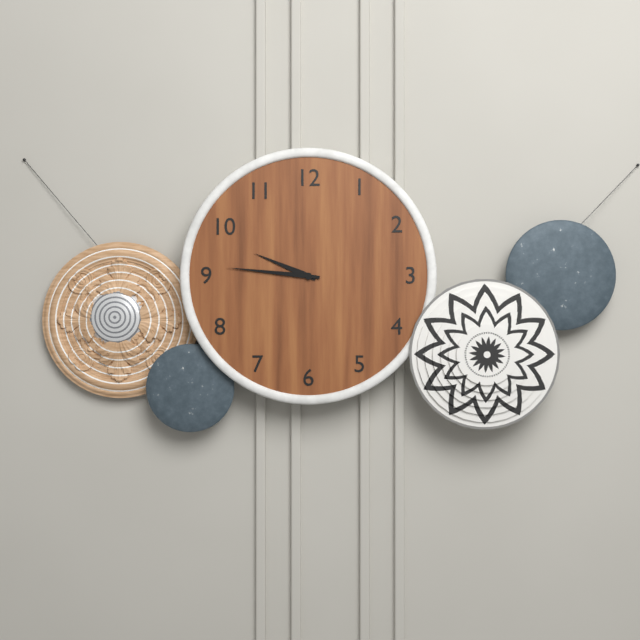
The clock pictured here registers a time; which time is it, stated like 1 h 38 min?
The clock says 9 h 46 min
